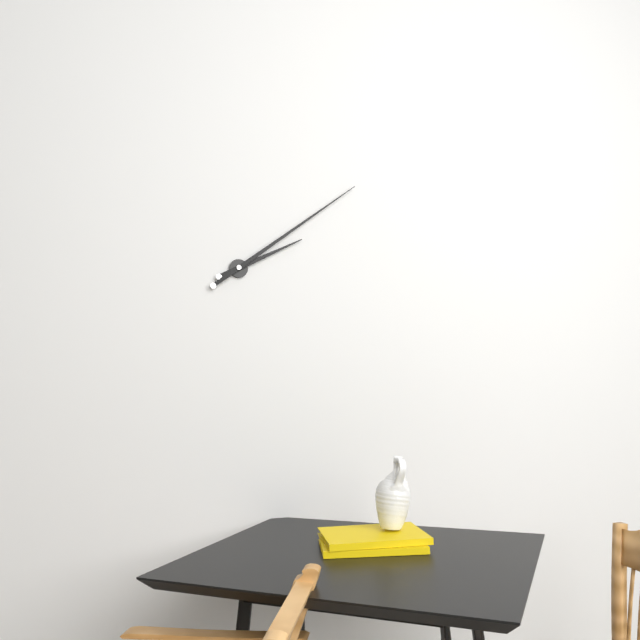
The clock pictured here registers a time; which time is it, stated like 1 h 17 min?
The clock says 2 h 09 min
